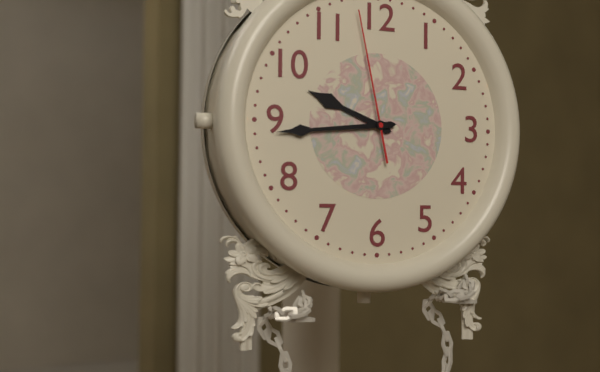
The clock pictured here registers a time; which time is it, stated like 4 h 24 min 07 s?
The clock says 9 h 44 min 58 s
